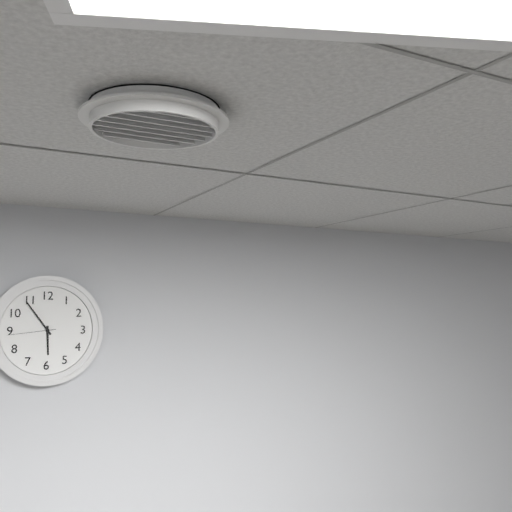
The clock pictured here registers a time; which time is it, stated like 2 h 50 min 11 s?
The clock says 5 h 54 min 44 s
